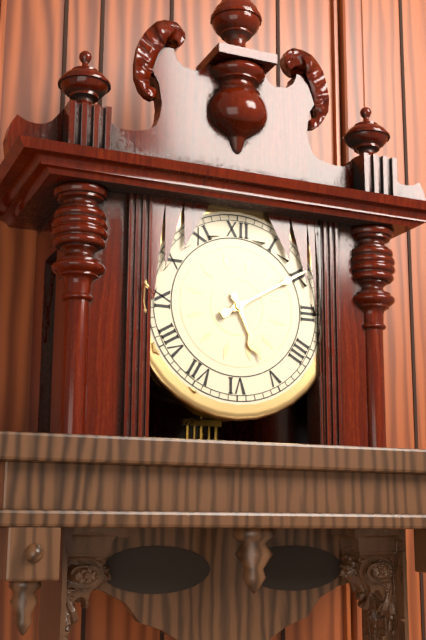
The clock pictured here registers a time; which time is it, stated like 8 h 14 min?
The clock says 5 h 10 min
